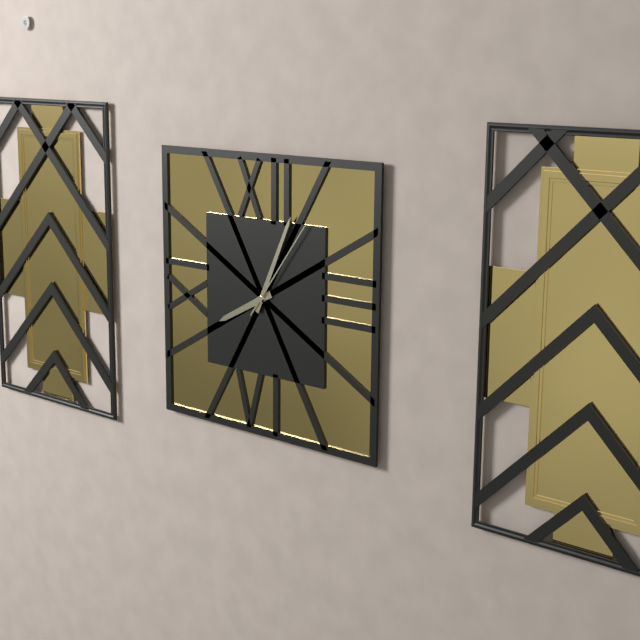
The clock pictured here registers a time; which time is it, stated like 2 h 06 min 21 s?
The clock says 8 h 04 min 06 s
